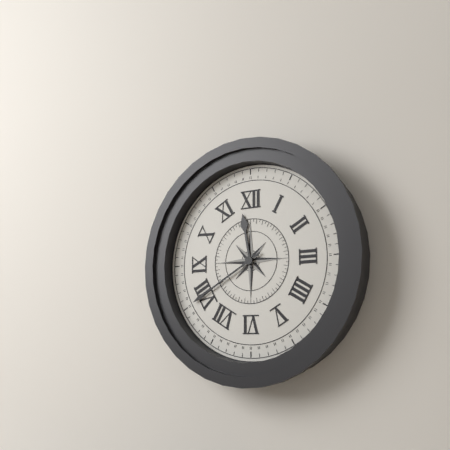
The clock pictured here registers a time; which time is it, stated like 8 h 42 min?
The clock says 11 h 40 min
